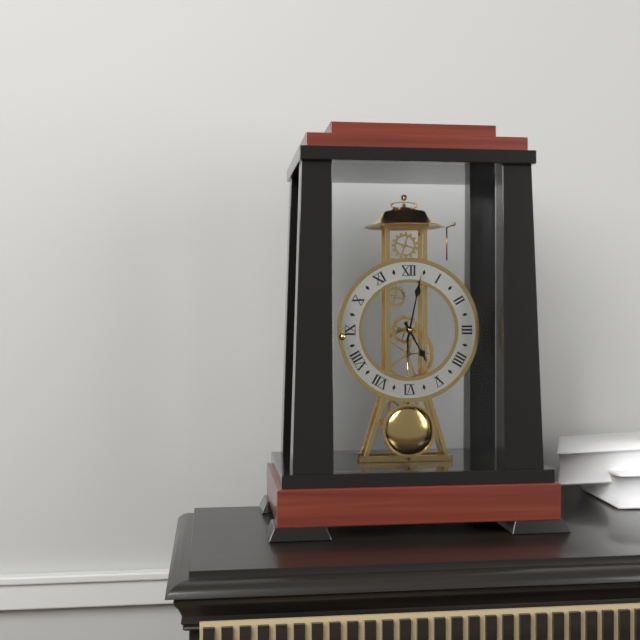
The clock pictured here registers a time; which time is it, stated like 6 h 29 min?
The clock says 5 h 02 min
